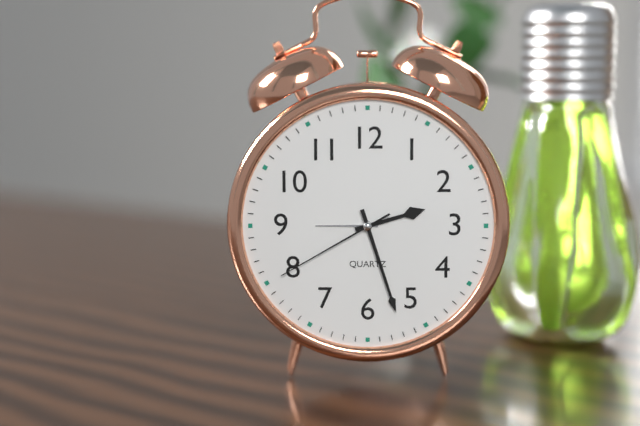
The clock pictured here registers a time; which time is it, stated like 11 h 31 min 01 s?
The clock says 2 h 27 min 40 s
